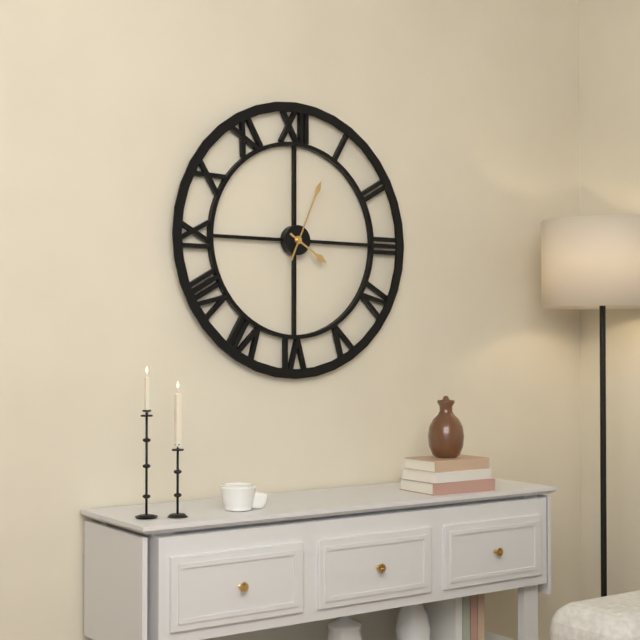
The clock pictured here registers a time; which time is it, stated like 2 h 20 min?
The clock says 4 h 04 min
